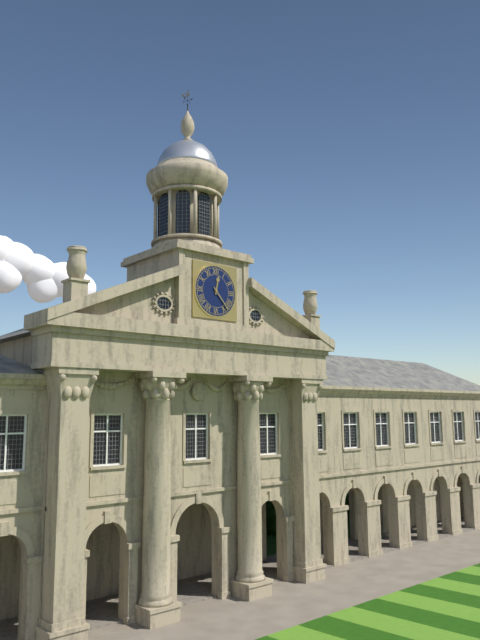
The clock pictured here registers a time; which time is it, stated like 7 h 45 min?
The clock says 12 h 23 min
